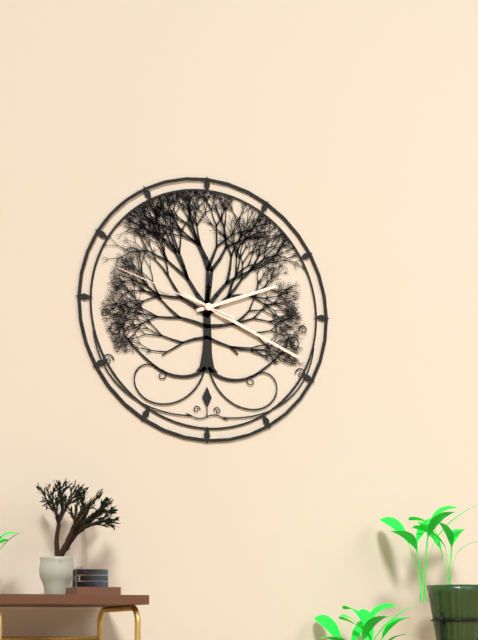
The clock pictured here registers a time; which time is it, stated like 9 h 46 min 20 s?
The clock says 2 h 19 min 48 s
